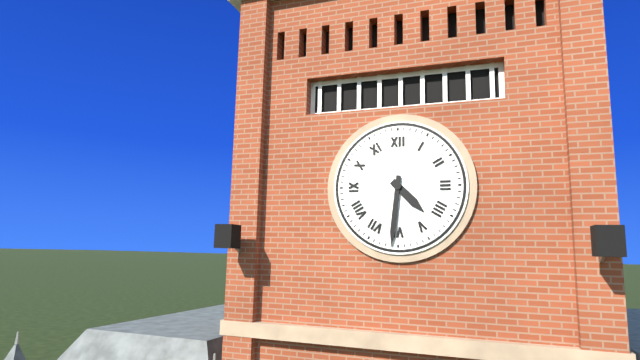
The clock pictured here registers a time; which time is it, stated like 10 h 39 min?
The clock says 4 h 31 min
